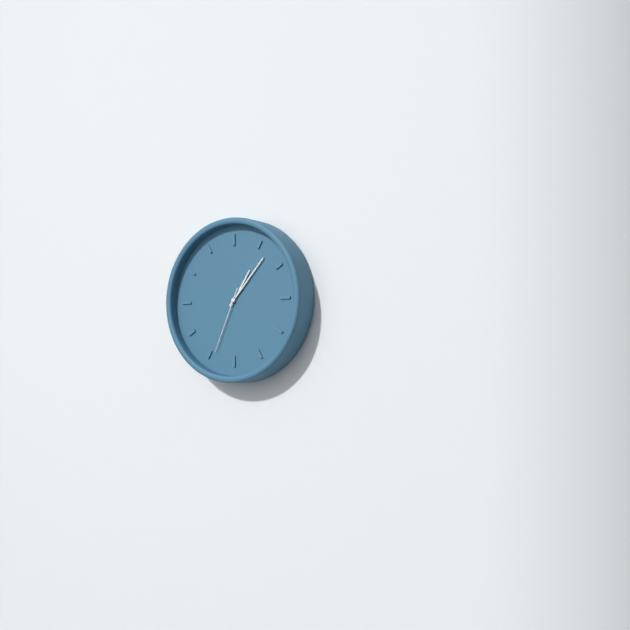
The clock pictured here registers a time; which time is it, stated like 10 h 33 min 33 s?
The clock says 1 h 07 min 34 s
